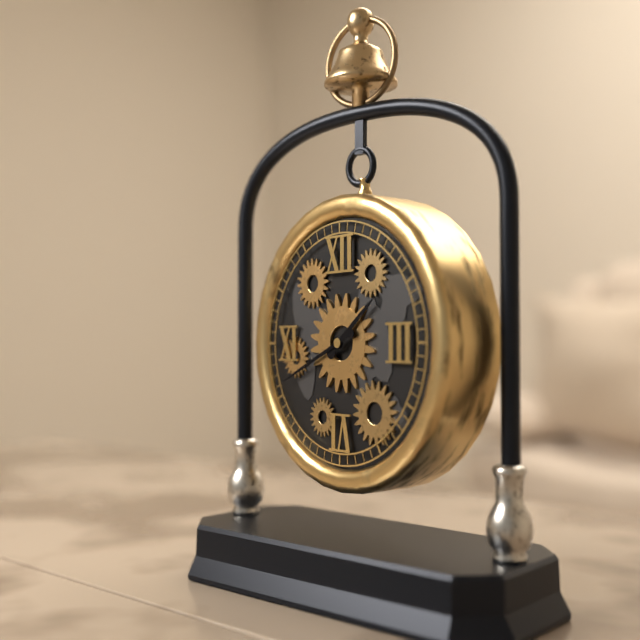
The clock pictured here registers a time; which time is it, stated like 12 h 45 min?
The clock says 1 h 41 min
